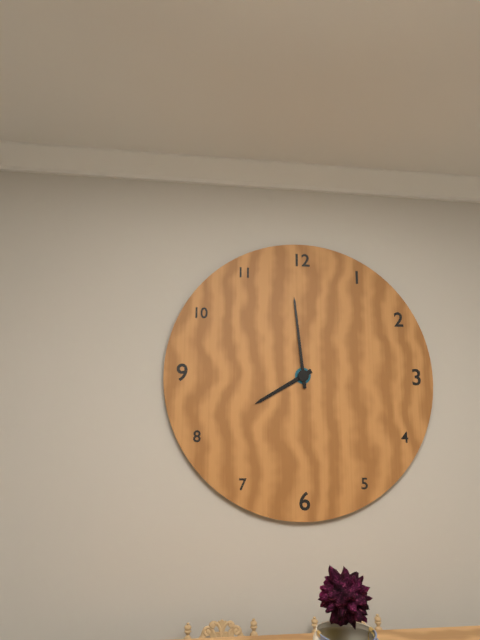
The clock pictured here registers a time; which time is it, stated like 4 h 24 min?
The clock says 7 h 59 min
